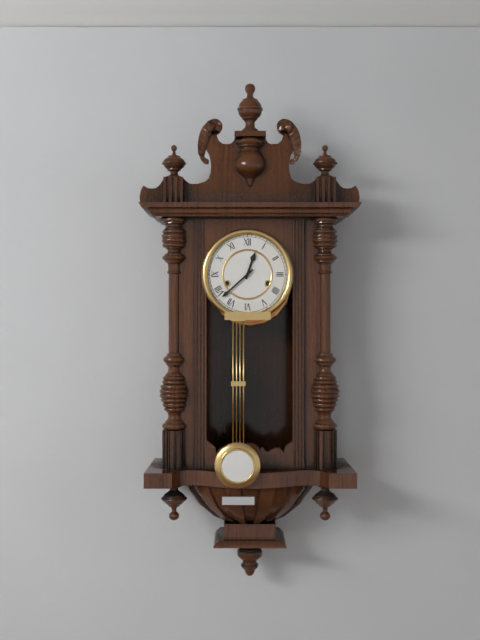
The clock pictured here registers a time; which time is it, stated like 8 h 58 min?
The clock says 12 h 38 min
